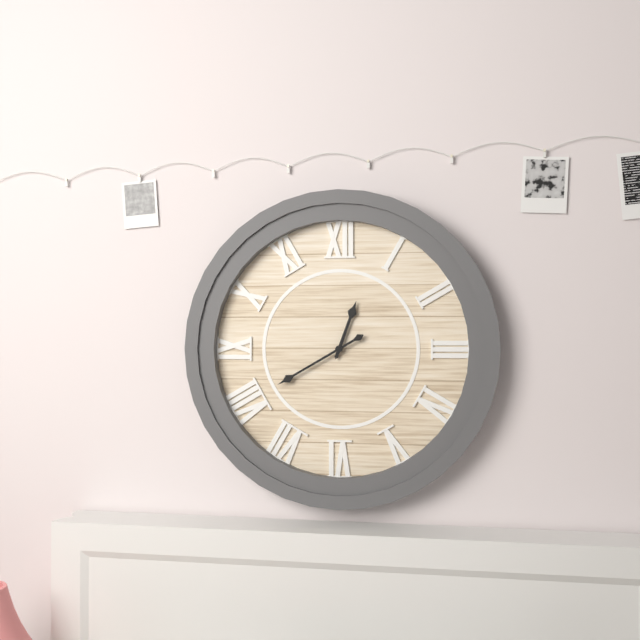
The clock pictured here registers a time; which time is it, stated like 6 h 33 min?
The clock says 12 h 40 min
